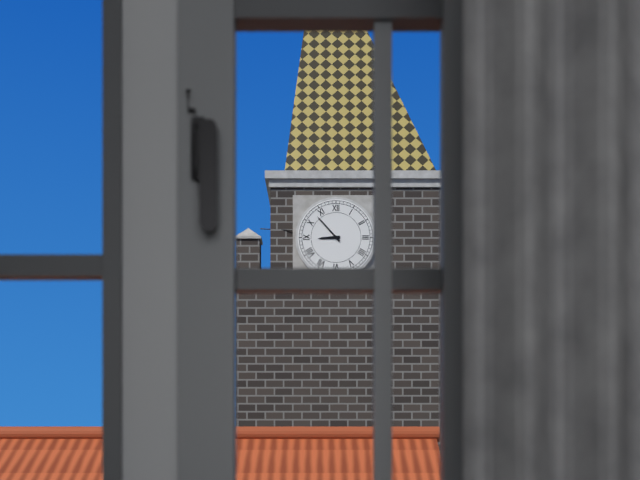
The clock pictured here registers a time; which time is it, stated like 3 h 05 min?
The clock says 8 h 53 min
